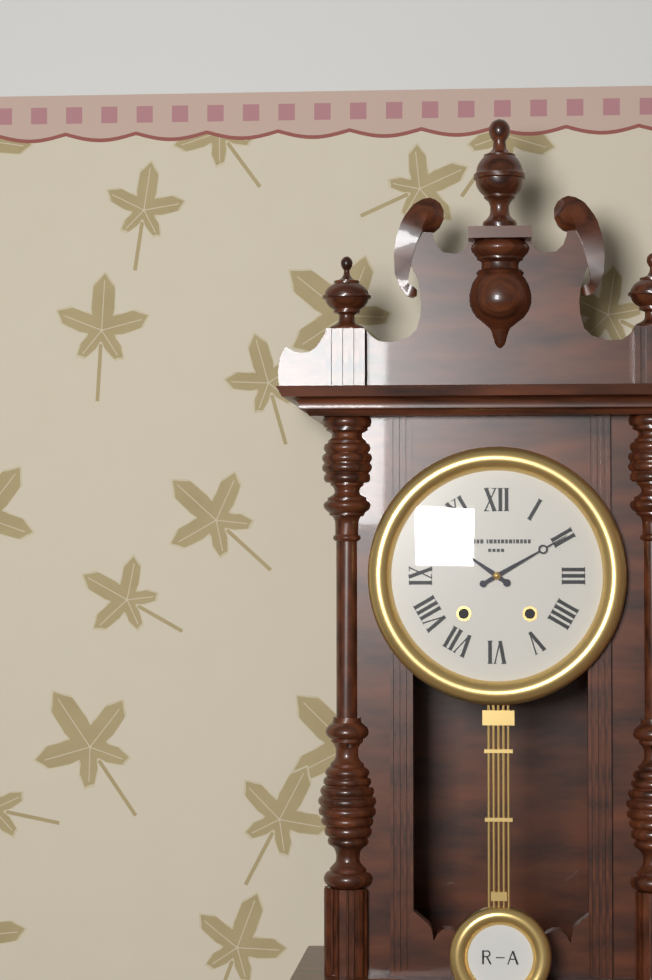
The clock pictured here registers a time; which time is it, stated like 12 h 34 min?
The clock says 10 h 10 min
